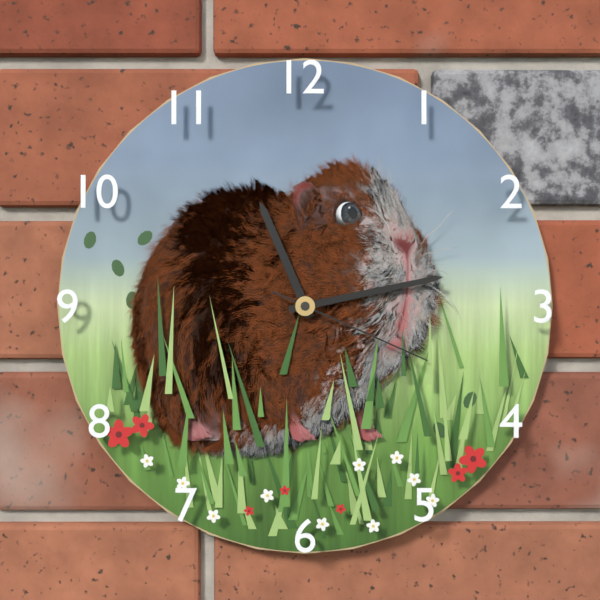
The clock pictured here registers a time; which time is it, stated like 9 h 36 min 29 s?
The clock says 11 h 13 min 19 s
